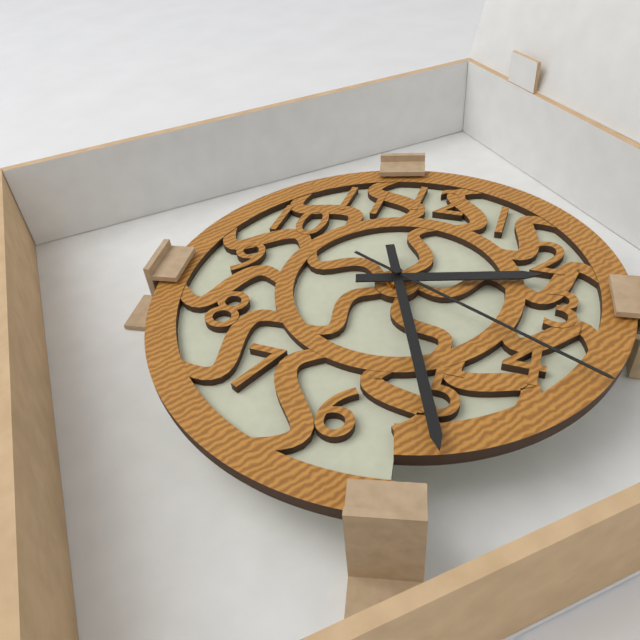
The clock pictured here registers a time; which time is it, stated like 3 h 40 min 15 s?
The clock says 2 h 26 min 19 s
